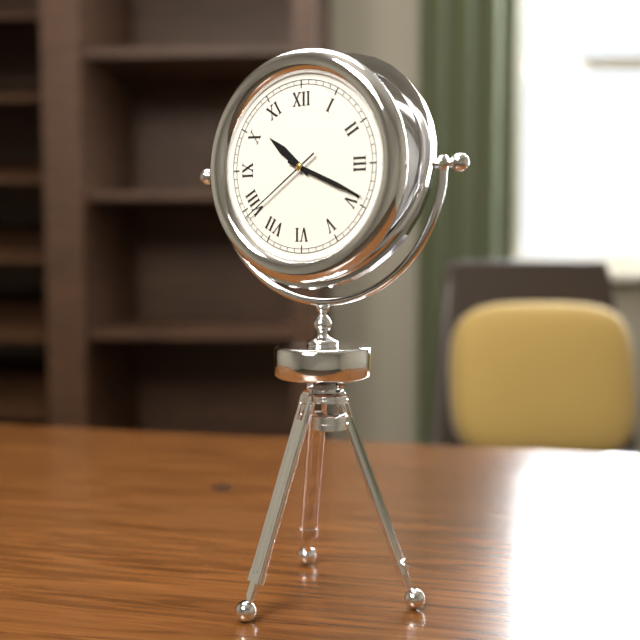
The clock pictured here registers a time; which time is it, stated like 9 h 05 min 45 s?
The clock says 10 h 19 min 39 s
